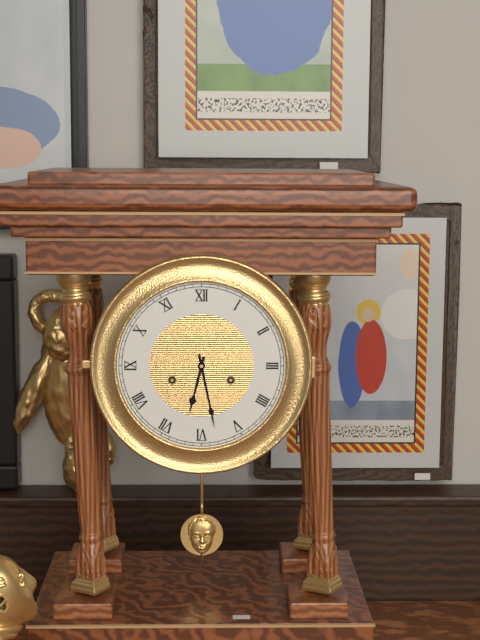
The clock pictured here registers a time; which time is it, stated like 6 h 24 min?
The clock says 6 h 28 min
